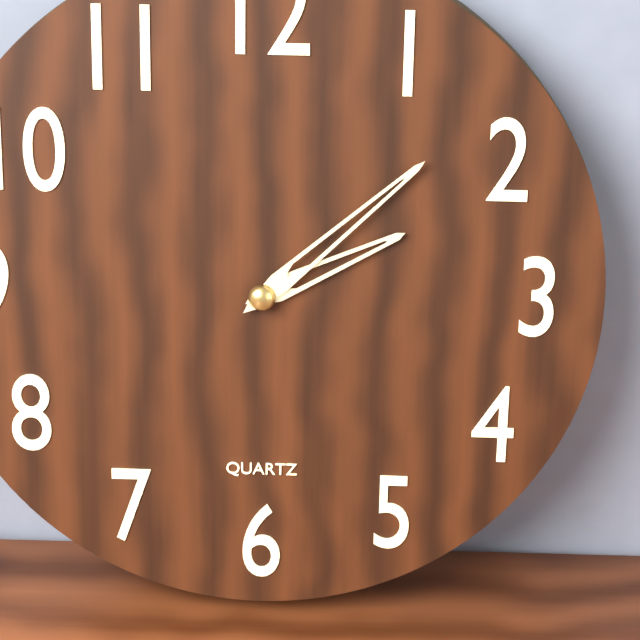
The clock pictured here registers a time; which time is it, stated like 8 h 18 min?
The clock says 2 h 08 min
